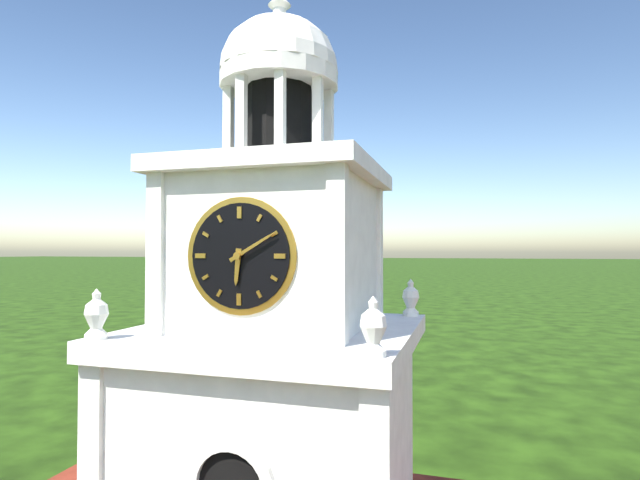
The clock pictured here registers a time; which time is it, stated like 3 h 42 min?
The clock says 6 h 10 min
